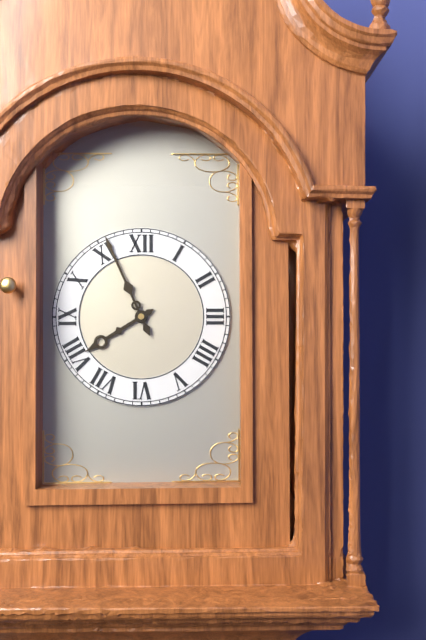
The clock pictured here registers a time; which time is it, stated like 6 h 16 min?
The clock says 7 h 56 min
